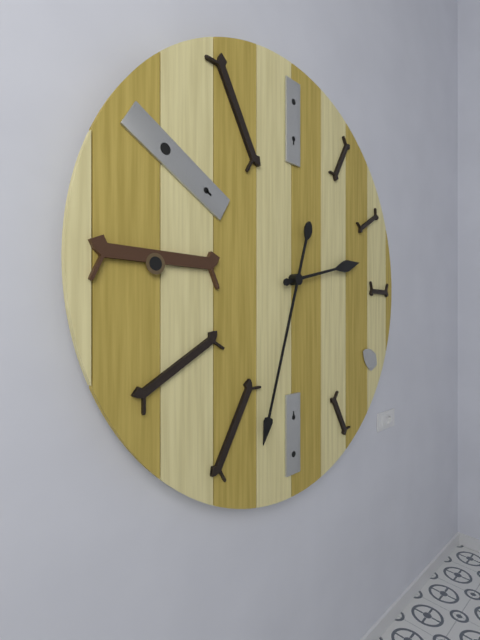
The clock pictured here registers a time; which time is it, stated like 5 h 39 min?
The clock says 2 h 33 min
